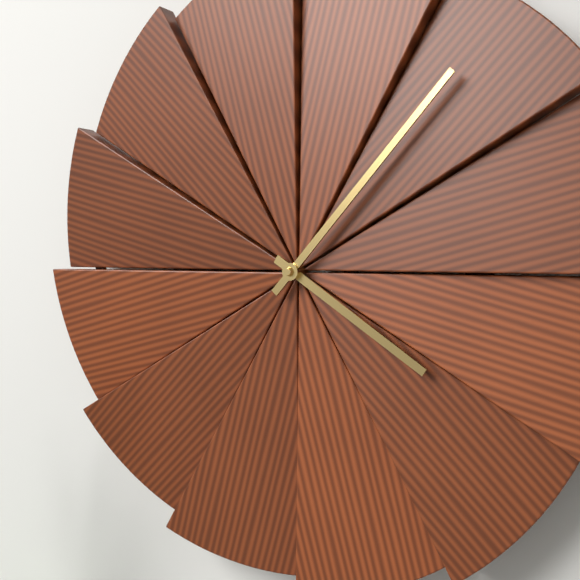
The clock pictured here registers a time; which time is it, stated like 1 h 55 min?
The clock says 4 h 07 min
